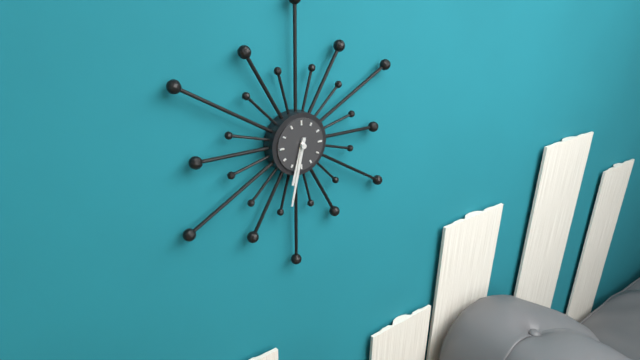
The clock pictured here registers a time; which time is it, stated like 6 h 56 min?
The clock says 6 h 32 min
